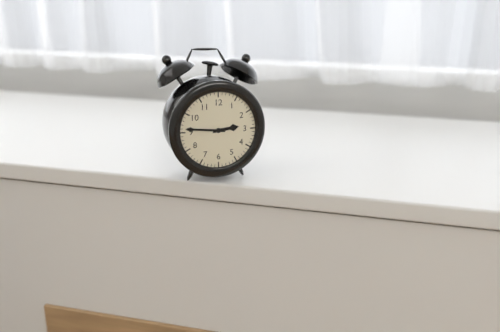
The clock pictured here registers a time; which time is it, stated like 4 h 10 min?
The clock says 2 h 46 min
